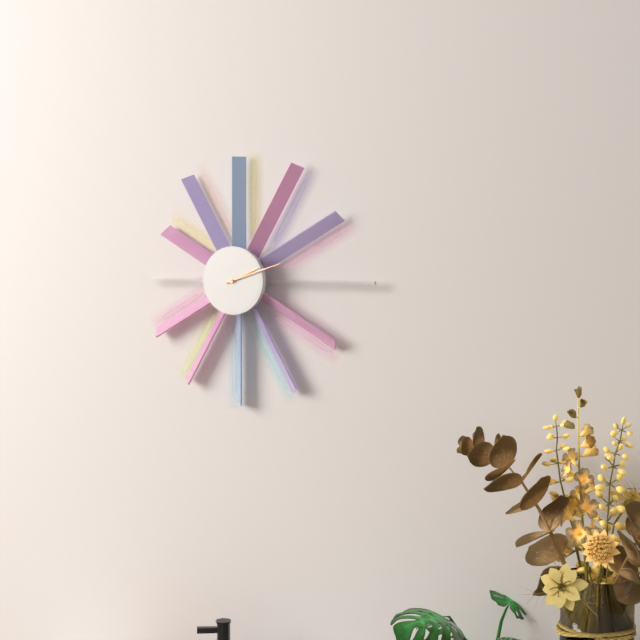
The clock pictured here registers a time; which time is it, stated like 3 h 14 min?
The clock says 2 h 12 min
